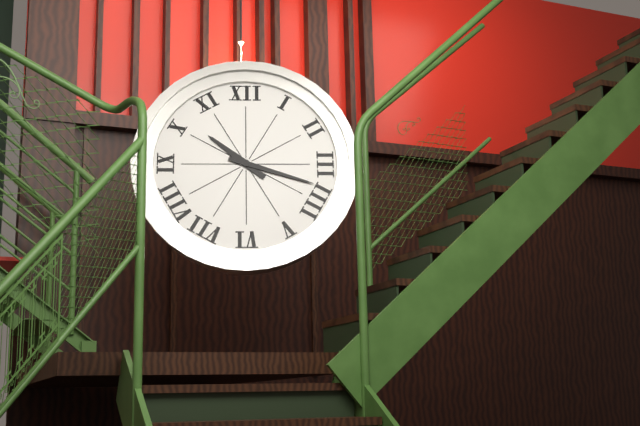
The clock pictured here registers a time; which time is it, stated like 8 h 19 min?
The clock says 10 h 18 min
